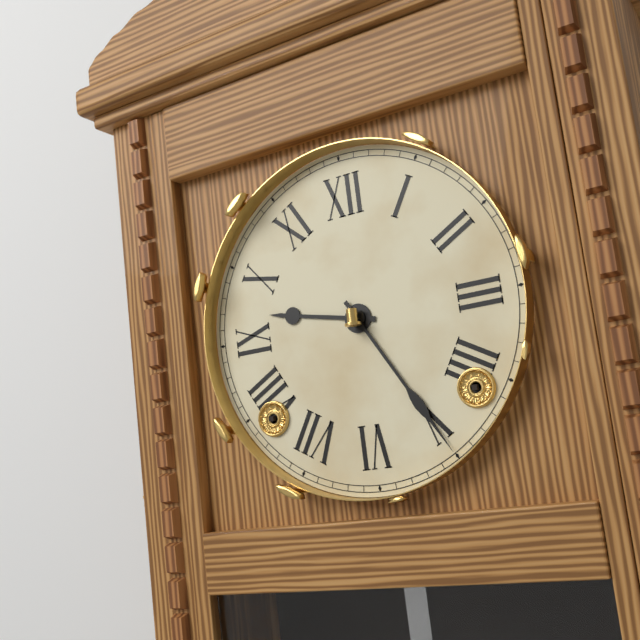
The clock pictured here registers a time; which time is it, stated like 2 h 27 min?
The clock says 9 h 25 min
